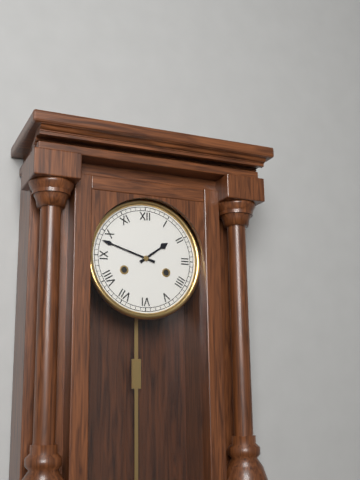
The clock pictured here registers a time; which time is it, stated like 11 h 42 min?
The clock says 1 h 48 min
